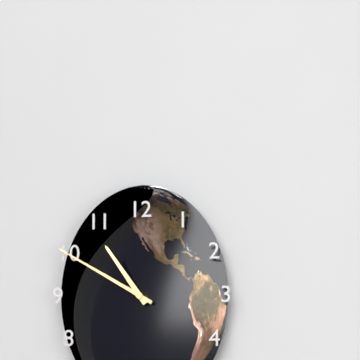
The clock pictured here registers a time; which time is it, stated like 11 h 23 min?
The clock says 10 h 50 min
